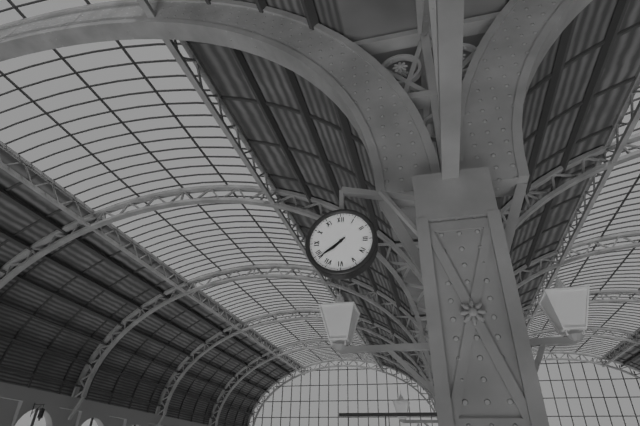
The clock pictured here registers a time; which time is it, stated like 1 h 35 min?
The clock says 7 h 39 min
